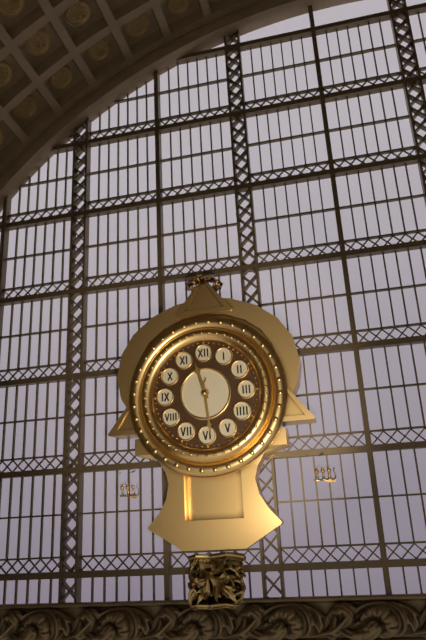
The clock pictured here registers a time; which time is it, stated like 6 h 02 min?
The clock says 11 h 29 min
